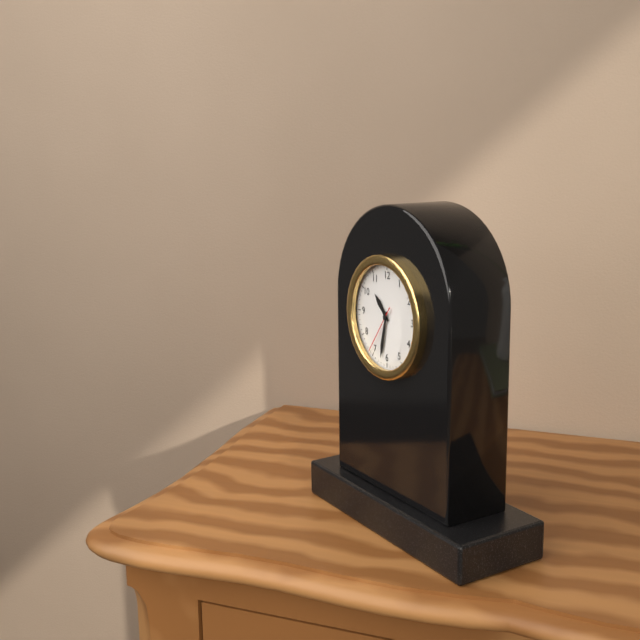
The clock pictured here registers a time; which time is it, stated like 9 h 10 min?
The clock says 10 h 32 min
